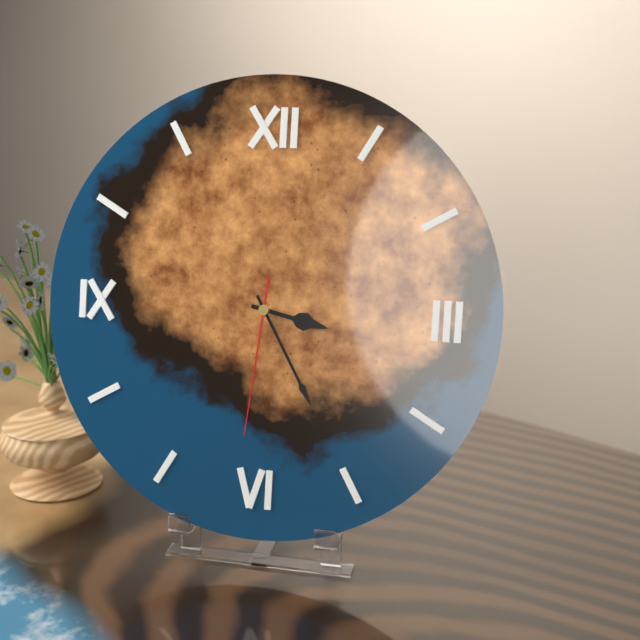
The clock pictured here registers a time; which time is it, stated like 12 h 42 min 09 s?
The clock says 3 h 25 min 31 s
